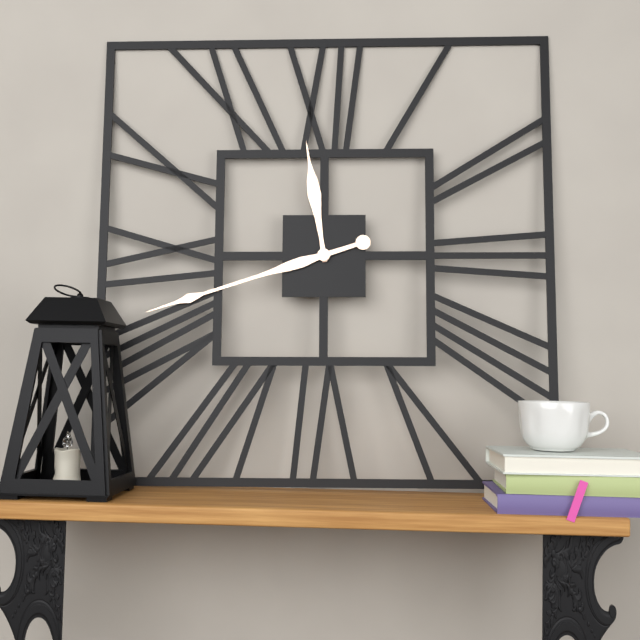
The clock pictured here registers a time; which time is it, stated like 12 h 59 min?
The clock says 11 h 42 min
